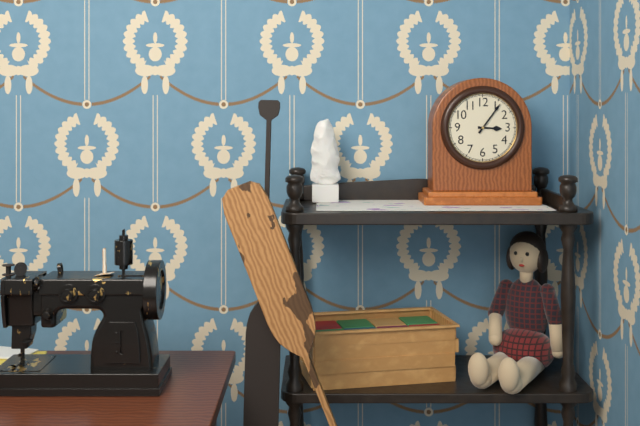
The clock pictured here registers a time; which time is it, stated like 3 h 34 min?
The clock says 3 h 06 min
